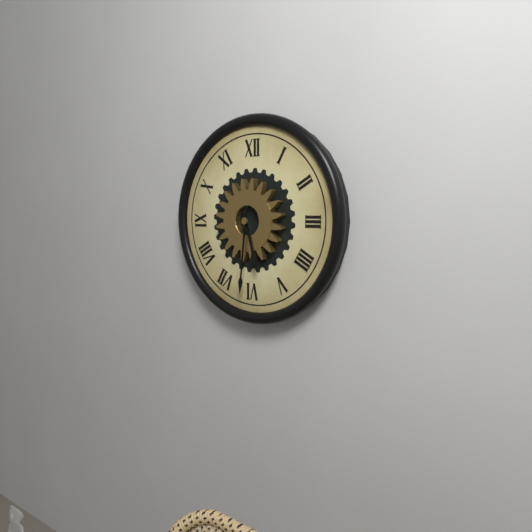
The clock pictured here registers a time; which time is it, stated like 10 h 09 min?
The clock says 5 h 31 min
